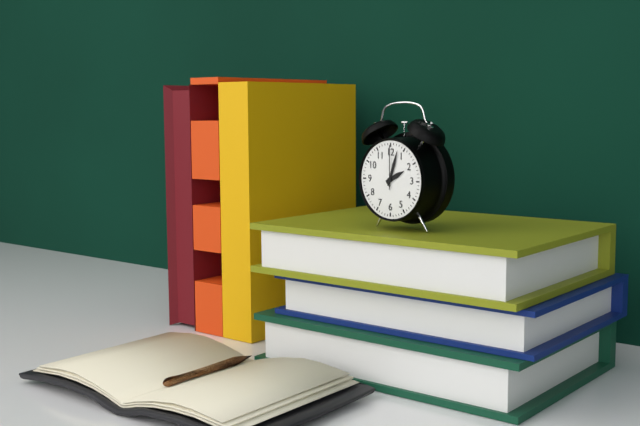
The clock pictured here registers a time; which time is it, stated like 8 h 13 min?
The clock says 2 h 03 min
